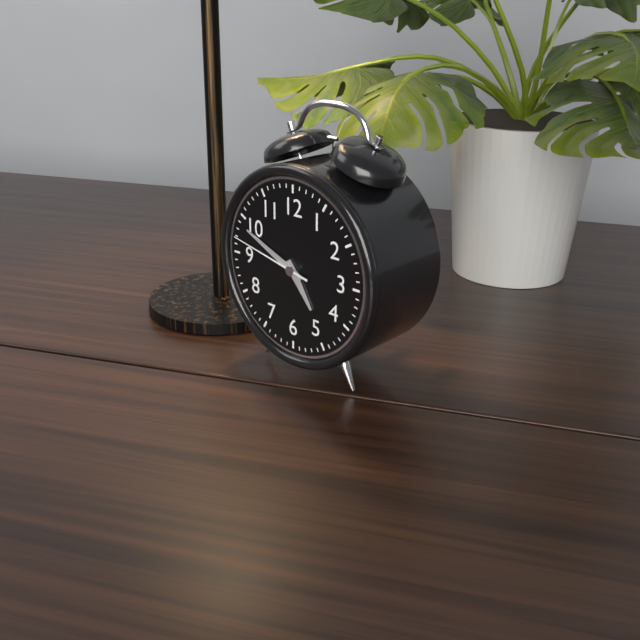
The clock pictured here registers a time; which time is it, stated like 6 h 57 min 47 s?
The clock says 4 h 49 min 47 s
